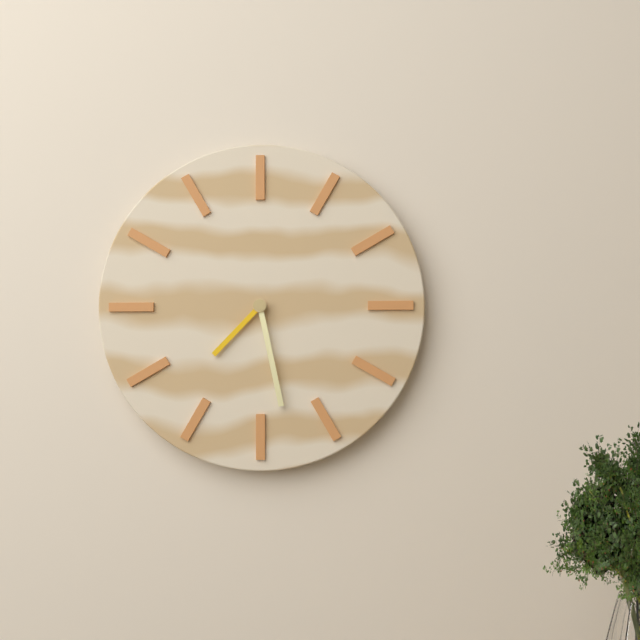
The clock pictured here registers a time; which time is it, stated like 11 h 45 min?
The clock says 7 h 28 min
